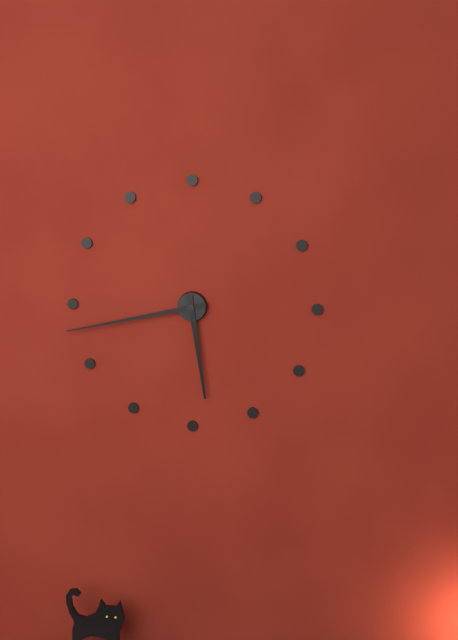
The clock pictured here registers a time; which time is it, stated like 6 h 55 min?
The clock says 5 h 43 min
